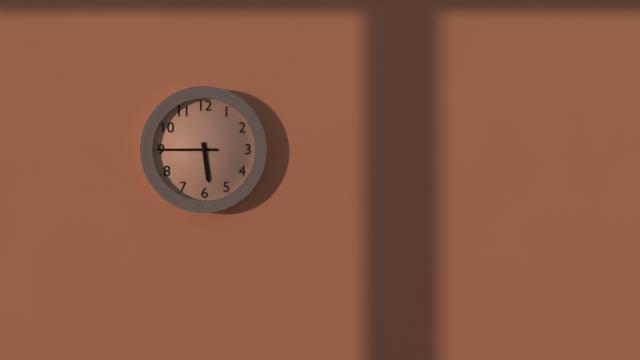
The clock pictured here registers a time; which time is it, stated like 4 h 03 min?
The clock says 5 h 45 min
